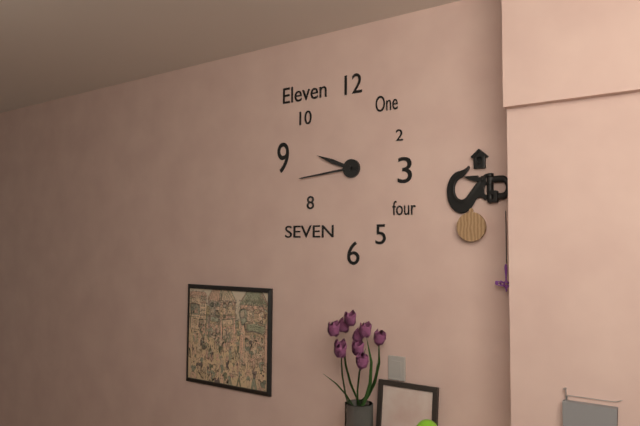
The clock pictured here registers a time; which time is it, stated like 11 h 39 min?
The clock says 9 h 44 min
